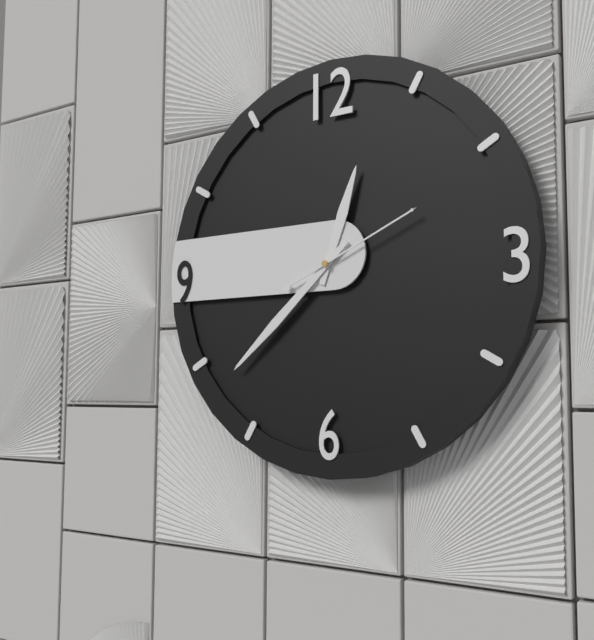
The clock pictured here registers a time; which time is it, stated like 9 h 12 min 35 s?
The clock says 12 h 38 min 11 s
